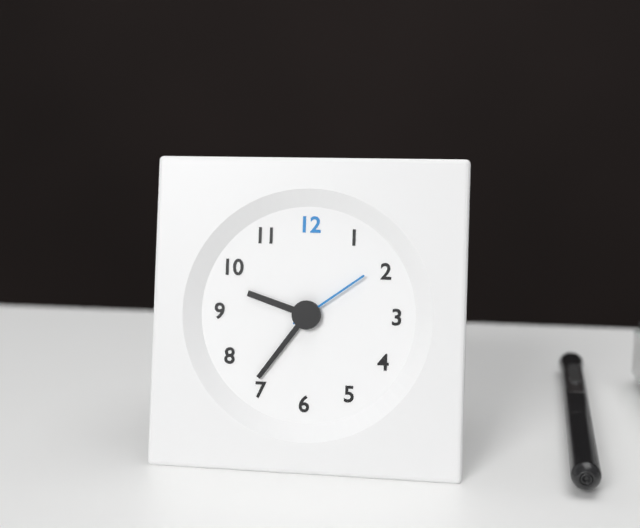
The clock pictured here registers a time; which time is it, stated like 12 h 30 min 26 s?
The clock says 9 h 36 min 09 s
